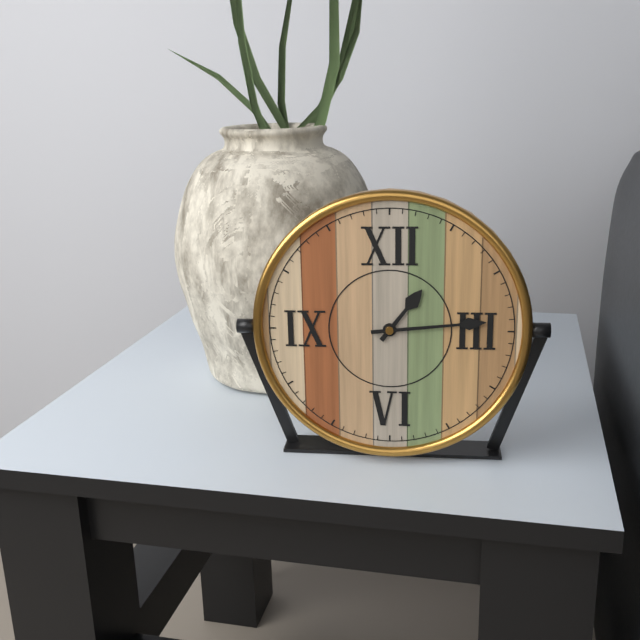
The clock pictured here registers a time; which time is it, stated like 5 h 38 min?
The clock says 1 h 14 min
